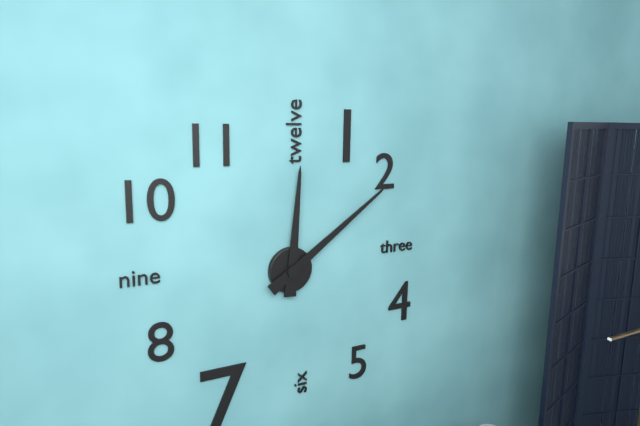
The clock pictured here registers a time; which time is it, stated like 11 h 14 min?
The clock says 12 h 09 min
